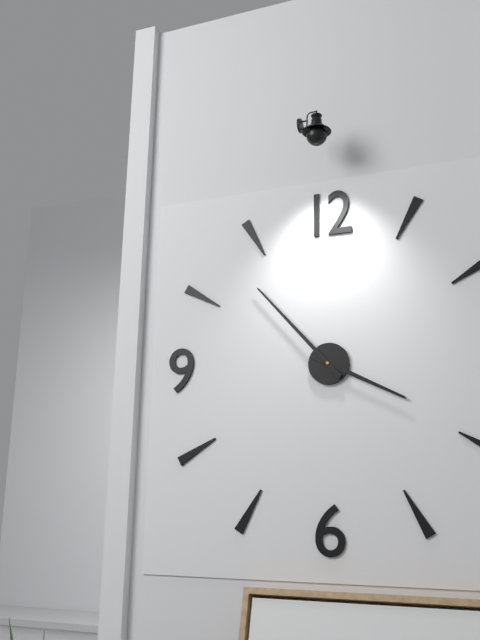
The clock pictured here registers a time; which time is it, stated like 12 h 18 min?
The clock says 3 h 53 min
